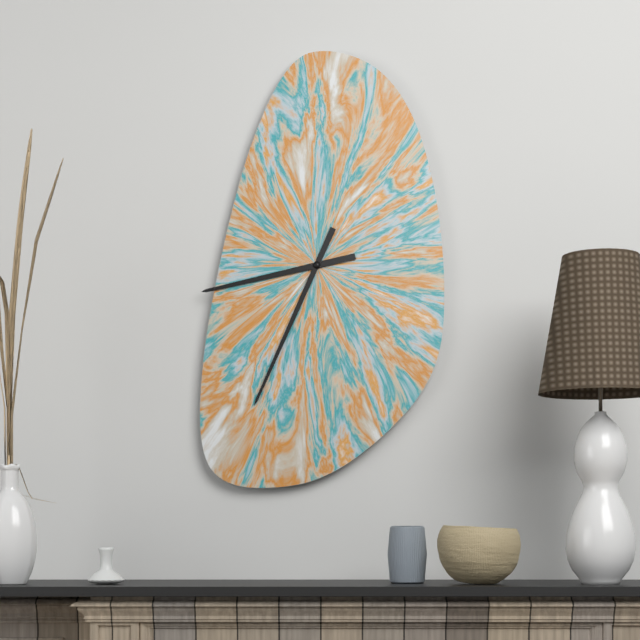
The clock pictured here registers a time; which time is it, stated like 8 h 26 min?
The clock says 8 h 34 min
